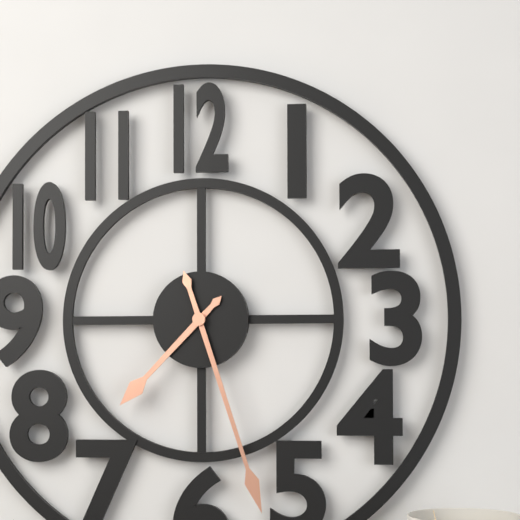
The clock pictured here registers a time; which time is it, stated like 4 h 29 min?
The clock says 7 h 27 min
